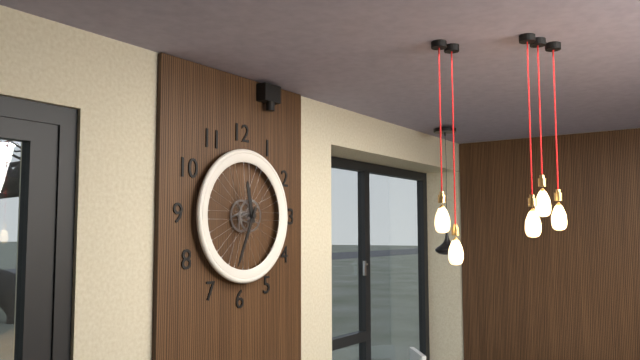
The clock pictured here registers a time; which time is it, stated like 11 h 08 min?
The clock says 11 h 34 min
